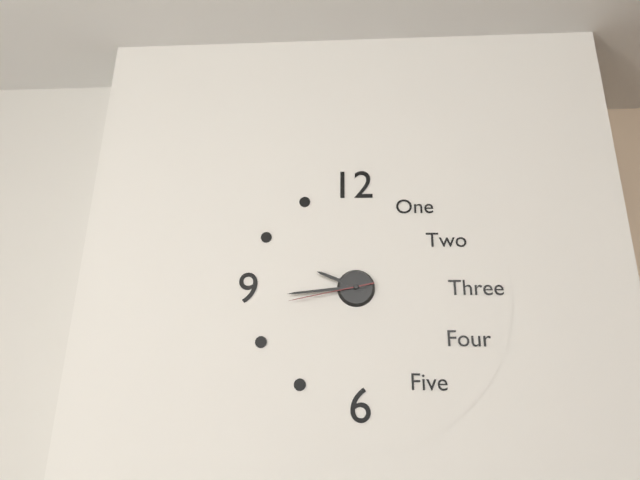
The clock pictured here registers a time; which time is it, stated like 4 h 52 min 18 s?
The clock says 9 h 44 min 43 s
